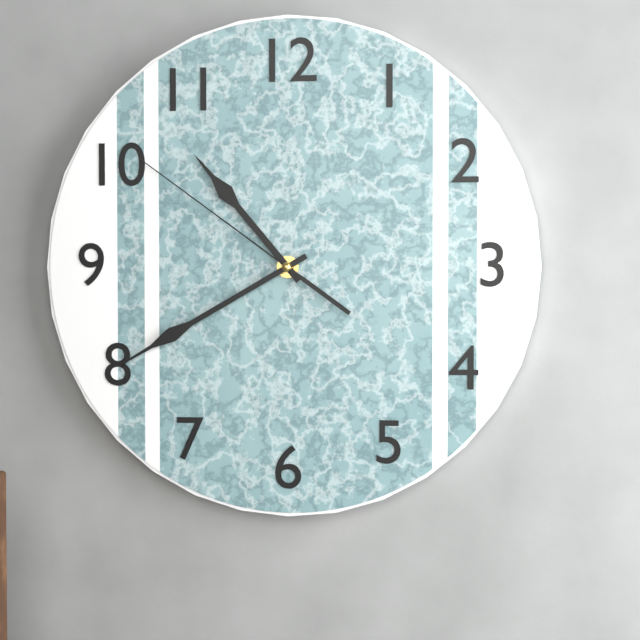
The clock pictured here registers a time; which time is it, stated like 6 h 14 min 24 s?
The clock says 10 h 40 min 51 s
